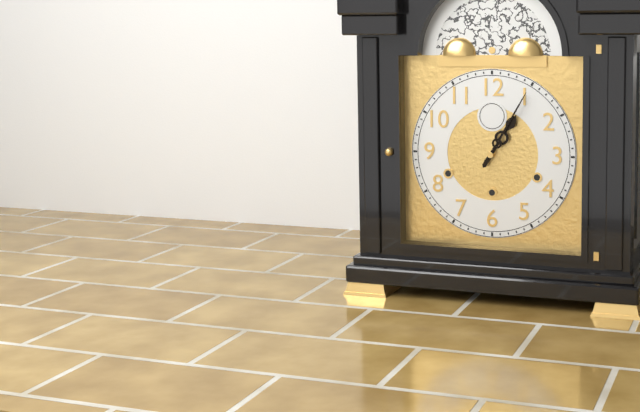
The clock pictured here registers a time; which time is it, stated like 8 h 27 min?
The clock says 1 h 05 min
